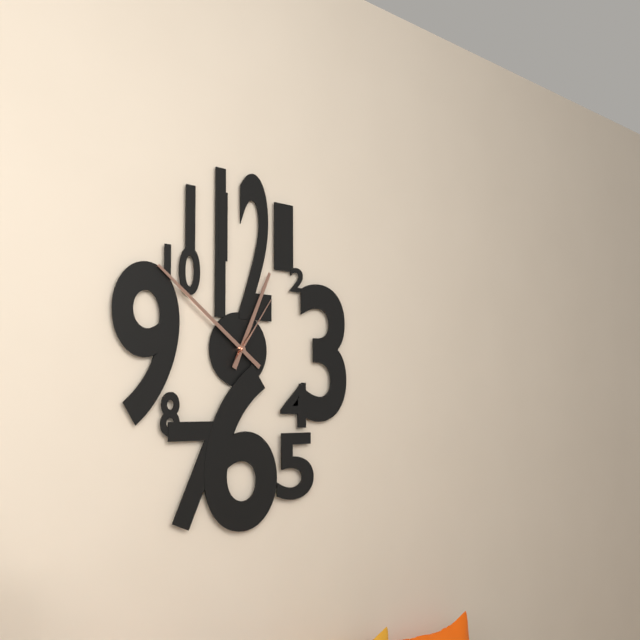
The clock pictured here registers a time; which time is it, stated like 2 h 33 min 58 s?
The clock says 12 h 51 min 06 s
